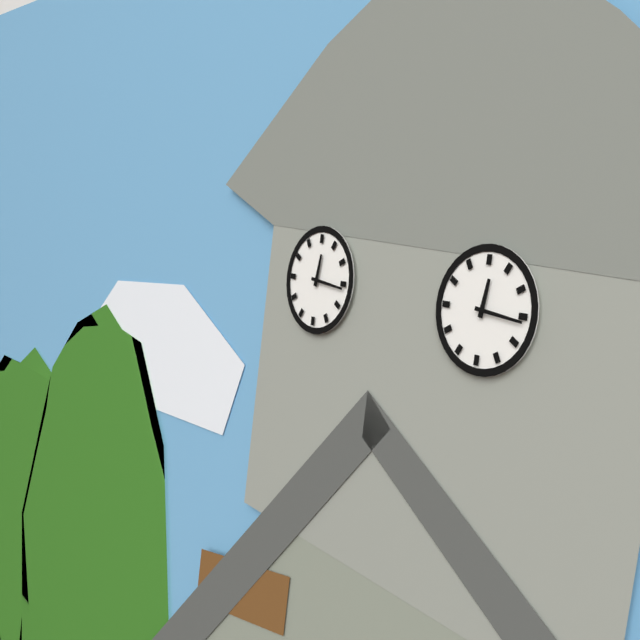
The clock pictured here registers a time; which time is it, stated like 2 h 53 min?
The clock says 12 h 16 min
